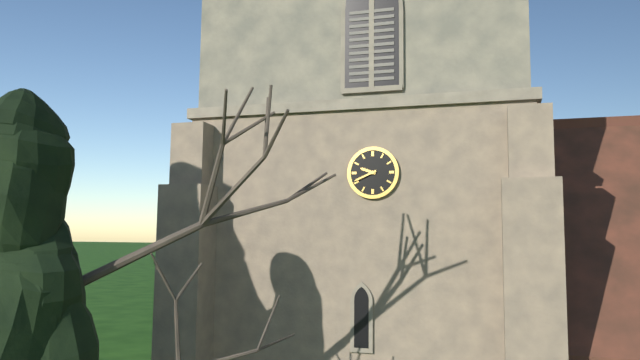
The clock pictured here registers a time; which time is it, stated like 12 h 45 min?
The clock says 9 h 41 min
